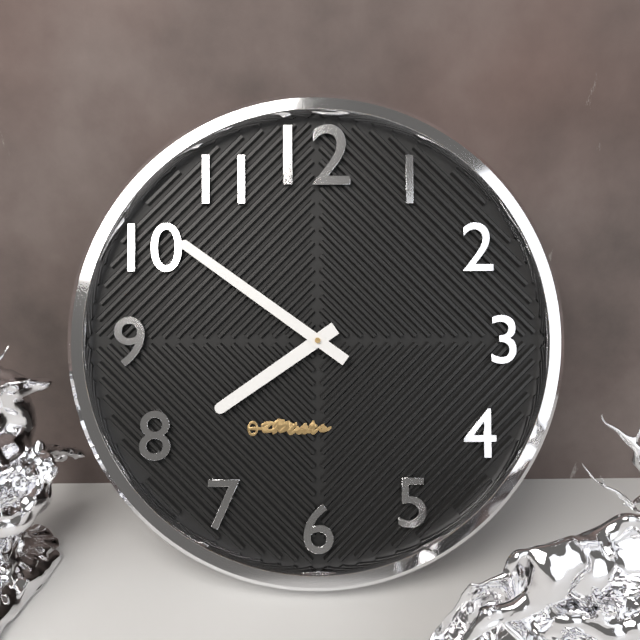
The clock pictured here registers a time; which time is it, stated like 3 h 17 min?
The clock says 7 h 51 min
